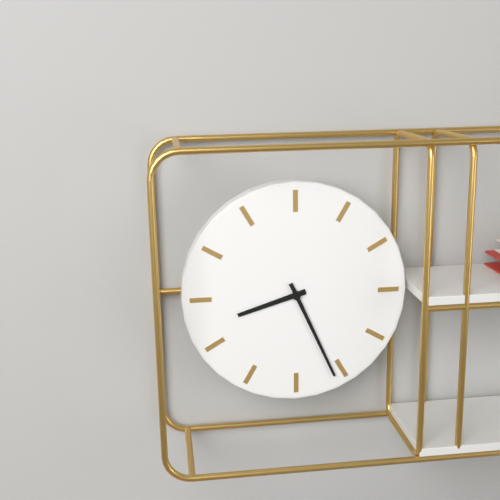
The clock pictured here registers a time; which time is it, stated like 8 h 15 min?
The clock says 8 h 26 min
